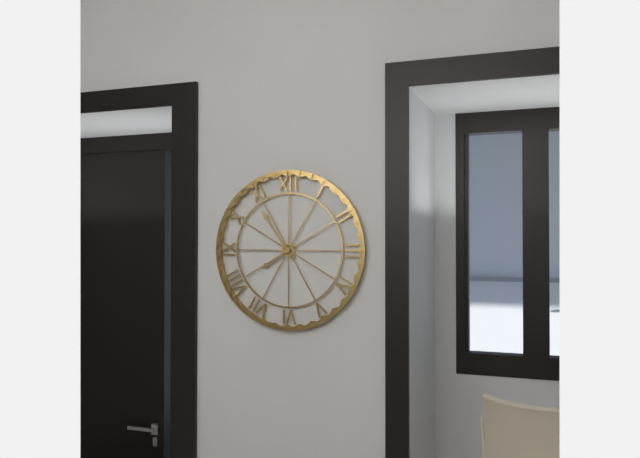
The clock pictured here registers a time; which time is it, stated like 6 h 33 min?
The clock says 7 h 54 min
